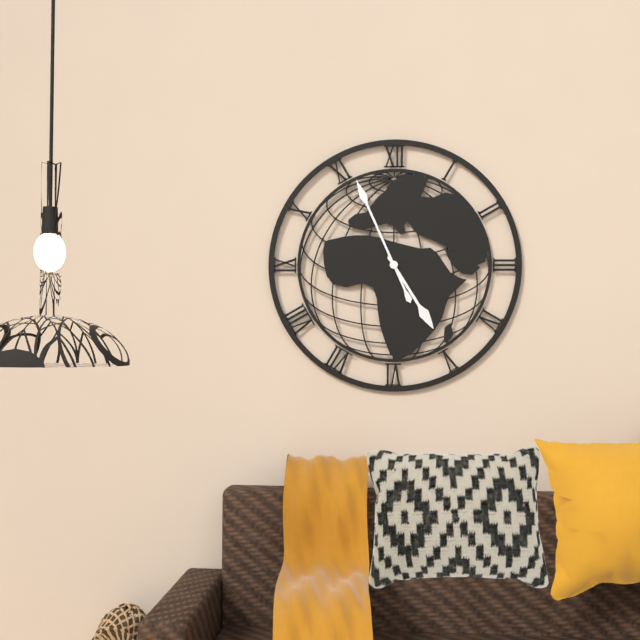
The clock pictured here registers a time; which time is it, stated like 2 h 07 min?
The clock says 4 h 56 min
